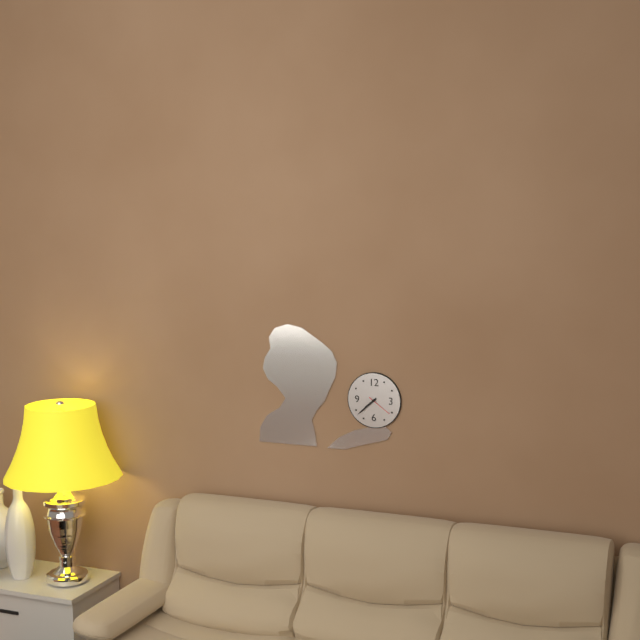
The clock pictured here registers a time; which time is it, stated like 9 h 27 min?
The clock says 7 h 38 min
